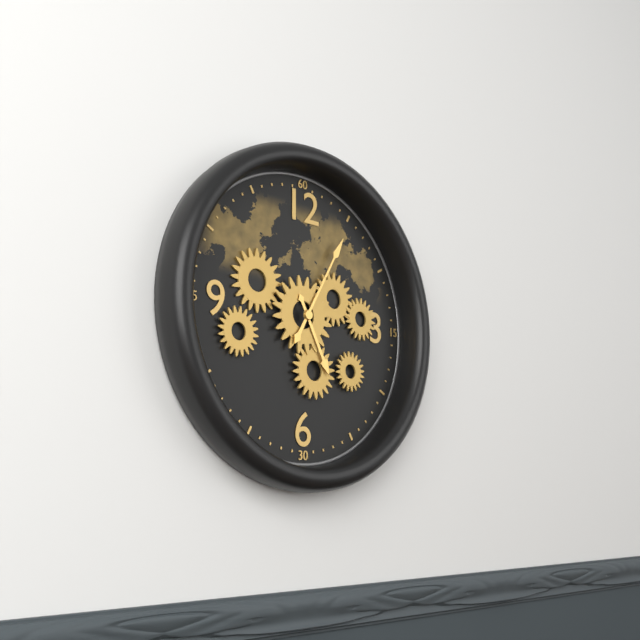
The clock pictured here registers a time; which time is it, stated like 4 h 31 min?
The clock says 5 h 05 min
